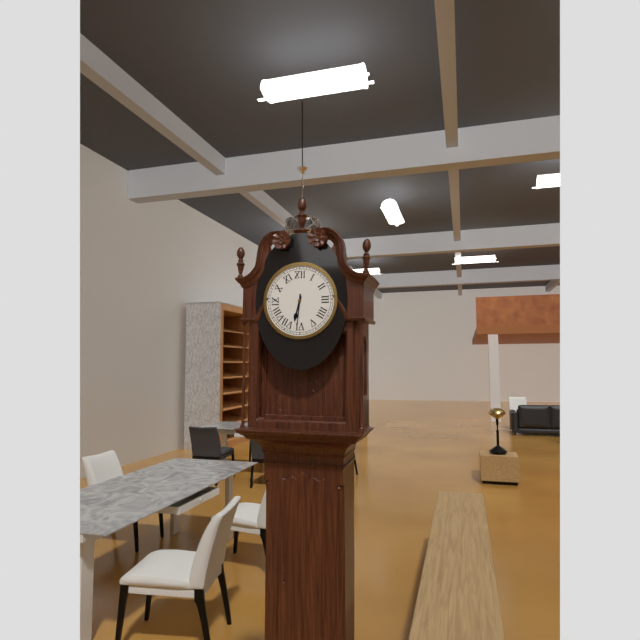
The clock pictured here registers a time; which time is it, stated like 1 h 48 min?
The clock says 6 h 31 min
